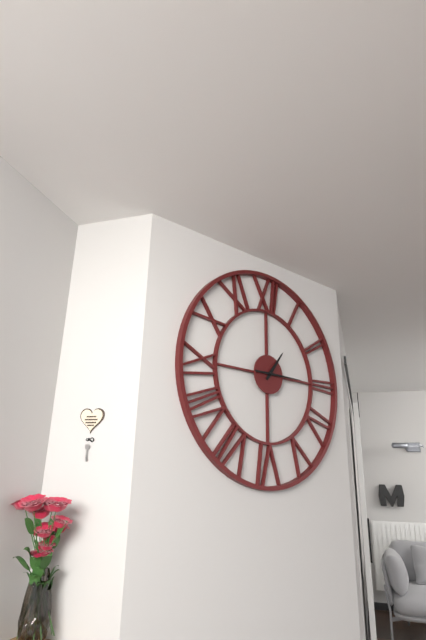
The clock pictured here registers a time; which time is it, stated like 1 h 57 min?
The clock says 1 h 15 min
